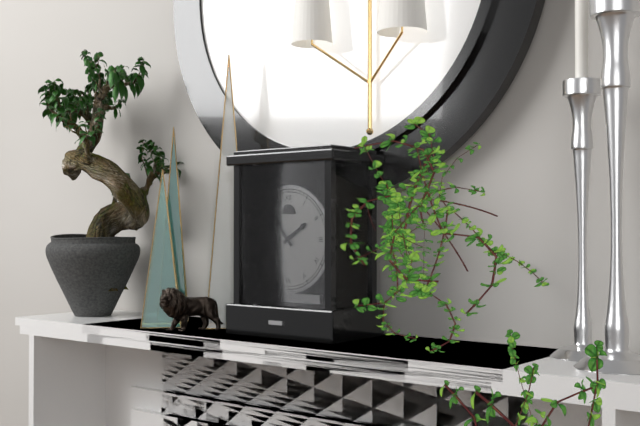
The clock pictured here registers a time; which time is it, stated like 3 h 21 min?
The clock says 1 h 53 min
